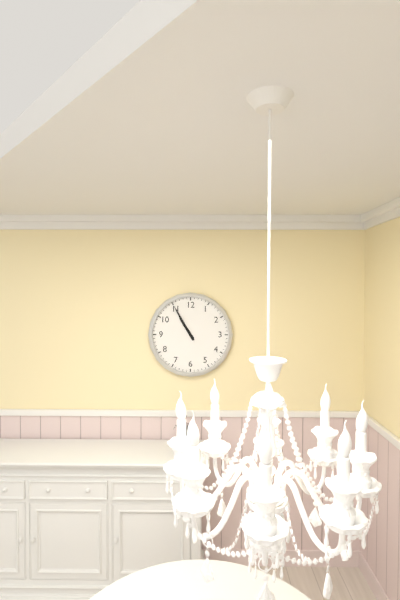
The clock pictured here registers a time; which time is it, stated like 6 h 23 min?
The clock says 10 h 55 min
